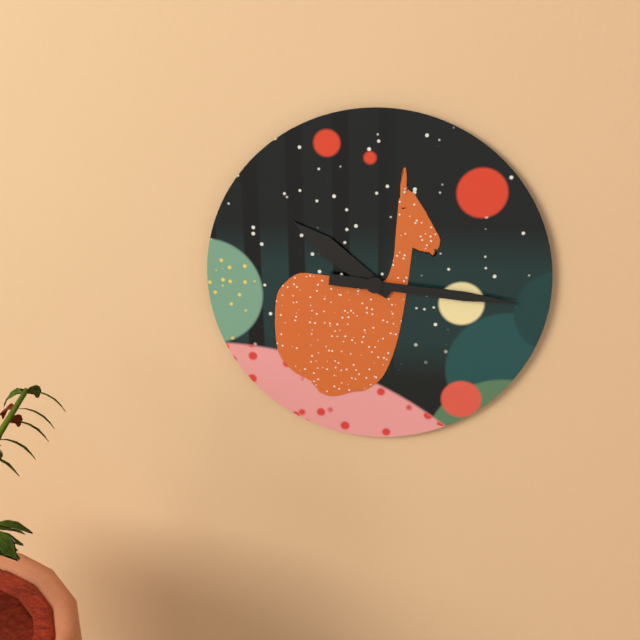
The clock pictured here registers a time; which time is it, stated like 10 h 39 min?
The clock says 10 h 16 min
